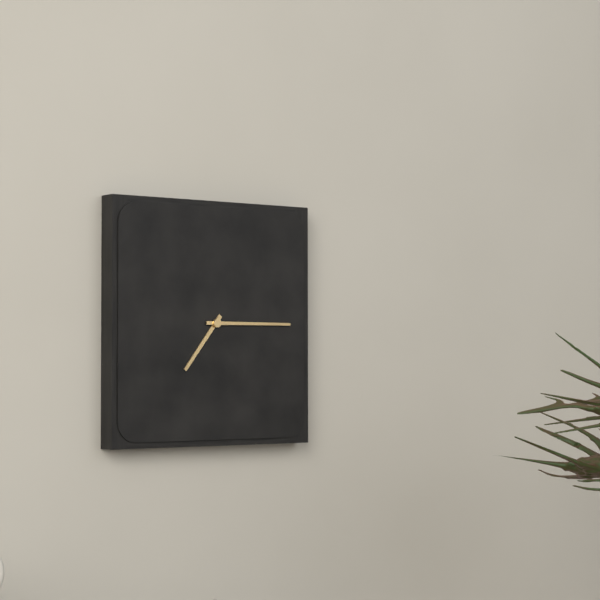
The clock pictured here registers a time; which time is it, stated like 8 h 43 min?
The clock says 7 h 15 min
